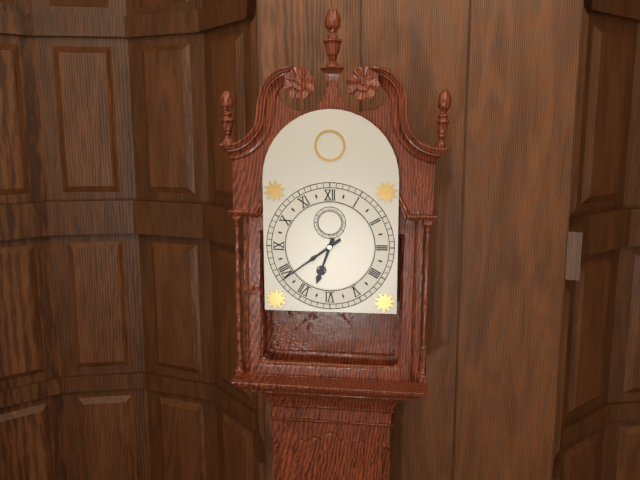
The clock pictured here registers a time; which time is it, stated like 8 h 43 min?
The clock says 6 h 39 min
